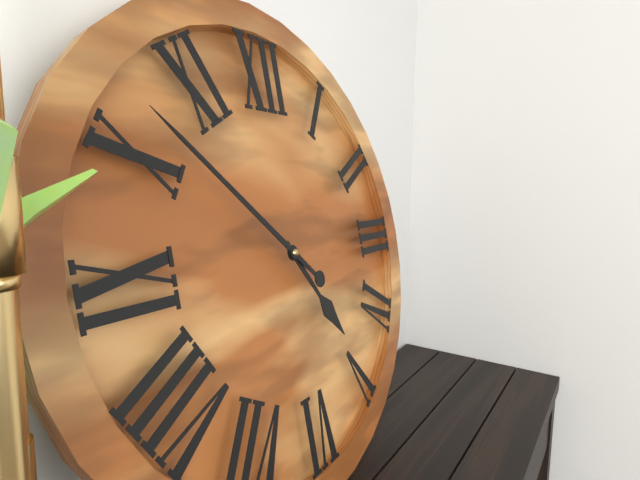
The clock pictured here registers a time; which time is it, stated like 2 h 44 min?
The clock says 4 h 52 min
